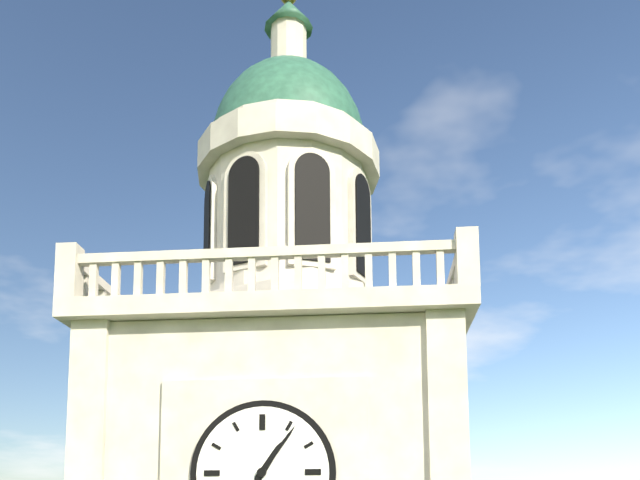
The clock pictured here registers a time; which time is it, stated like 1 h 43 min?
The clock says 1 h 06 min
